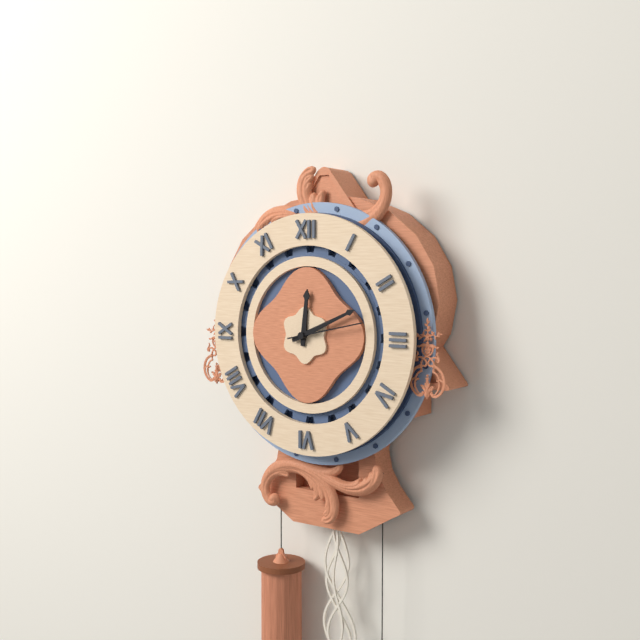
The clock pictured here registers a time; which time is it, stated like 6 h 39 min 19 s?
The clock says 12 h 11 min 13 s
